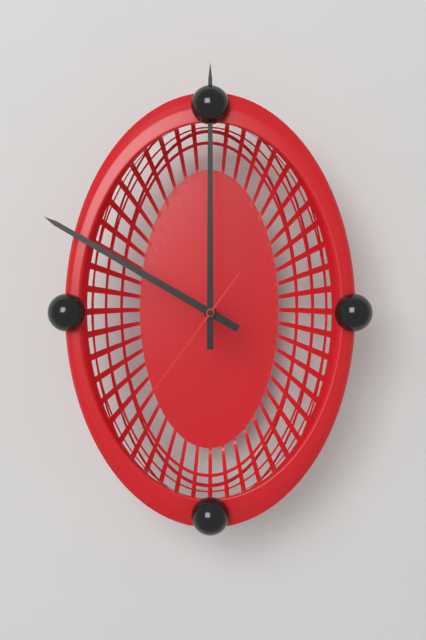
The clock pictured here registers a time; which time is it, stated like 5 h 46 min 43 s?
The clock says 10 h 00 min 36 s
